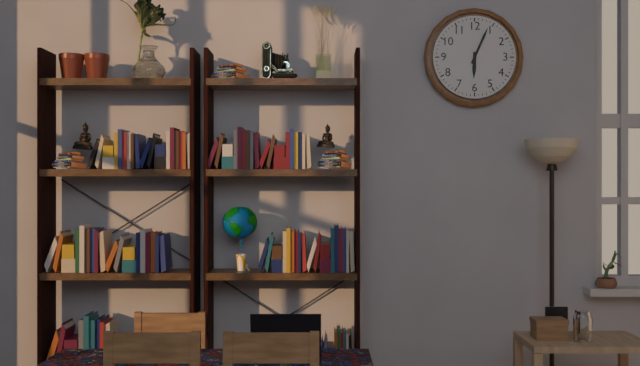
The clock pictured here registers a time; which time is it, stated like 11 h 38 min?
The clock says 6 h 04 min
